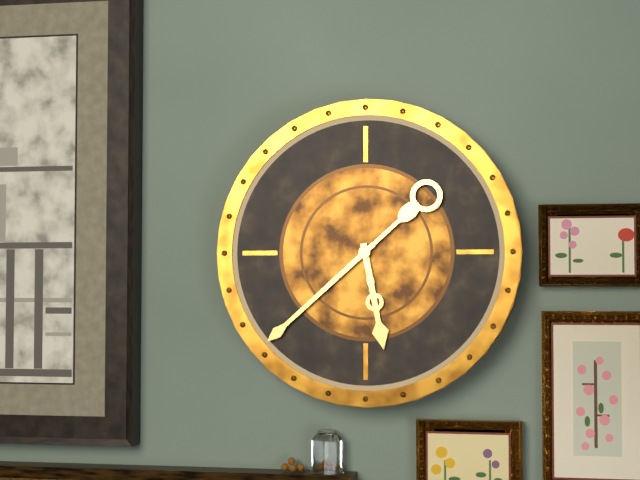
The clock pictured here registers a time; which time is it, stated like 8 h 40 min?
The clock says 5 h 38 min
